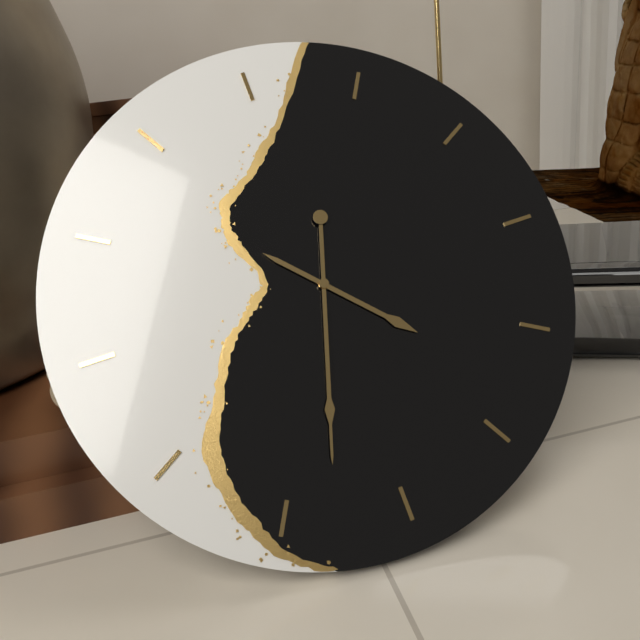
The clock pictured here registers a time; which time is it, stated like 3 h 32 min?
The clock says 4 h 33 min
